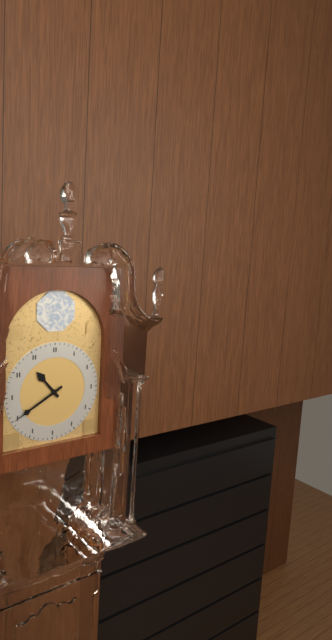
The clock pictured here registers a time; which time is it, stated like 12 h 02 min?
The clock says 10 h 40 min
